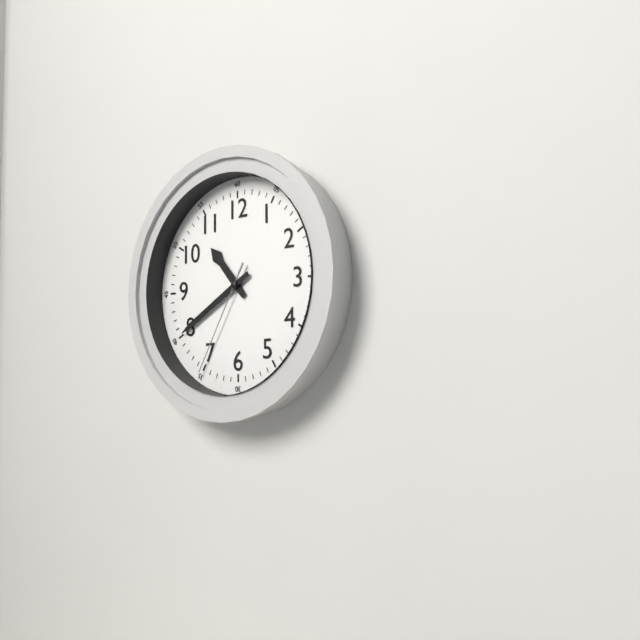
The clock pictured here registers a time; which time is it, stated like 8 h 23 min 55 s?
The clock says 10 h 40 min 35 s
